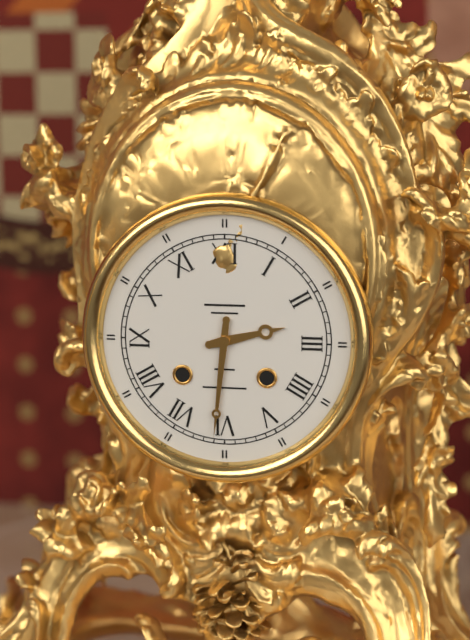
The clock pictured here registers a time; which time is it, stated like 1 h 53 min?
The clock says 2 h 31 min
